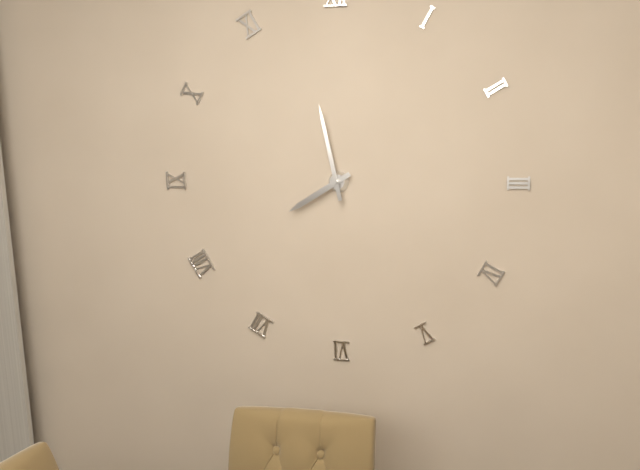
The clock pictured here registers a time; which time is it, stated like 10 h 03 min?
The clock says 7 h 58 min
